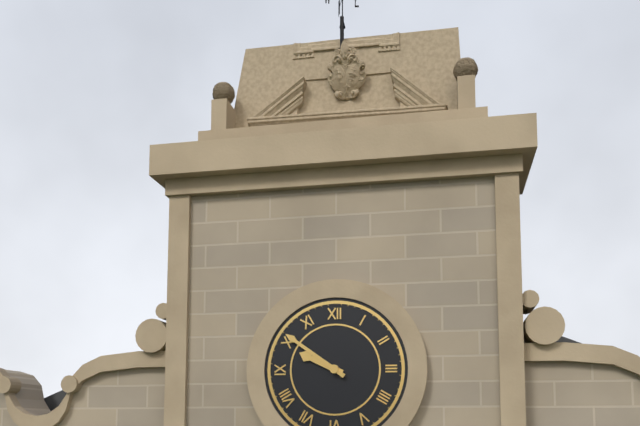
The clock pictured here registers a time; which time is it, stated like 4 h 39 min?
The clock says 9 h 51 min
